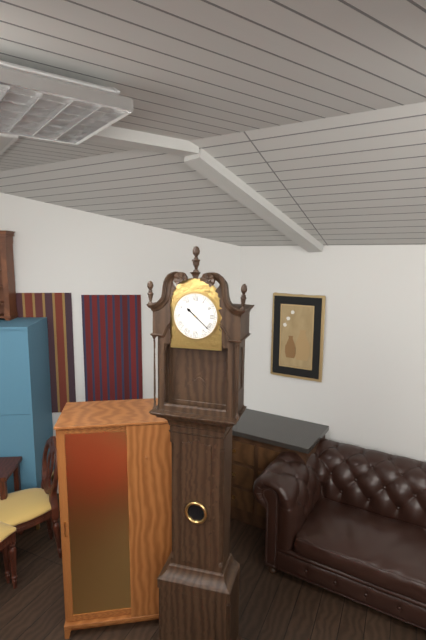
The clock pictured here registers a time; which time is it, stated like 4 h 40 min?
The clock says 10 h 22 min
